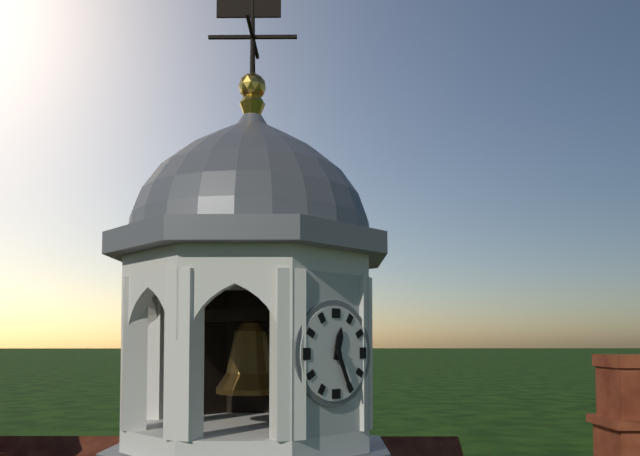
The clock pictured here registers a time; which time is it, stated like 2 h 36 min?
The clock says 12 h 26 min
